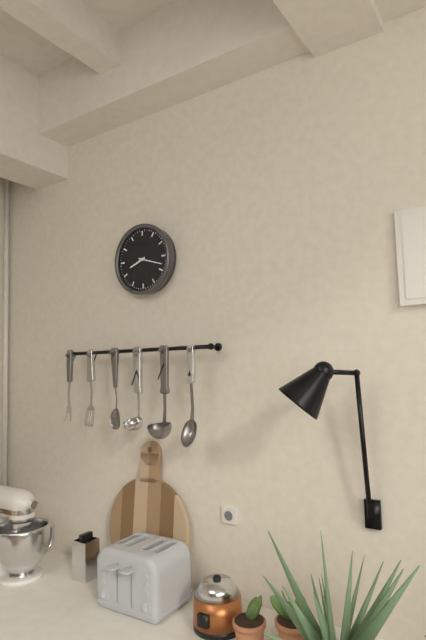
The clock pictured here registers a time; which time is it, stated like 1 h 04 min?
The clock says 8 h 18 min
